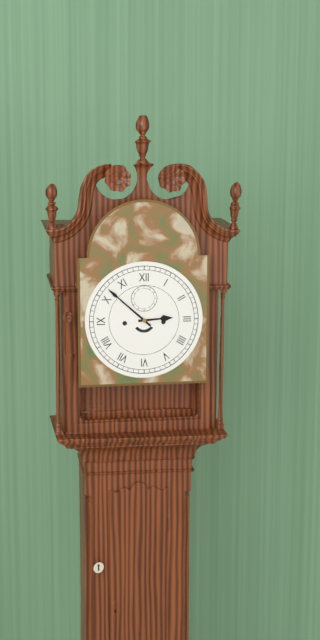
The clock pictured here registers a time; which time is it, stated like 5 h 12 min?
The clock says 2 h 52 min
